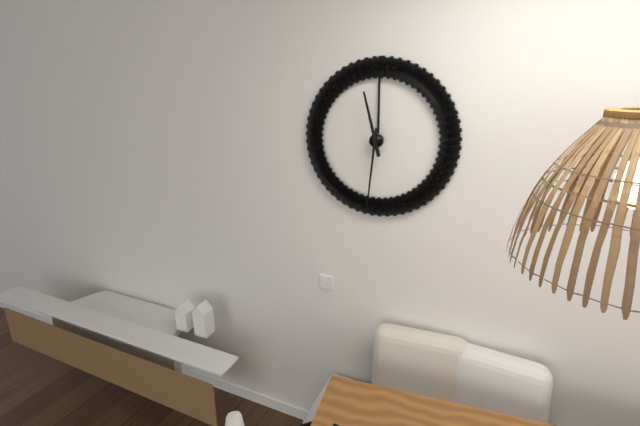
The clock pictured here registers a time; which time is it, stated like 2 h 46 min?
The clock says 11 h 31 min
